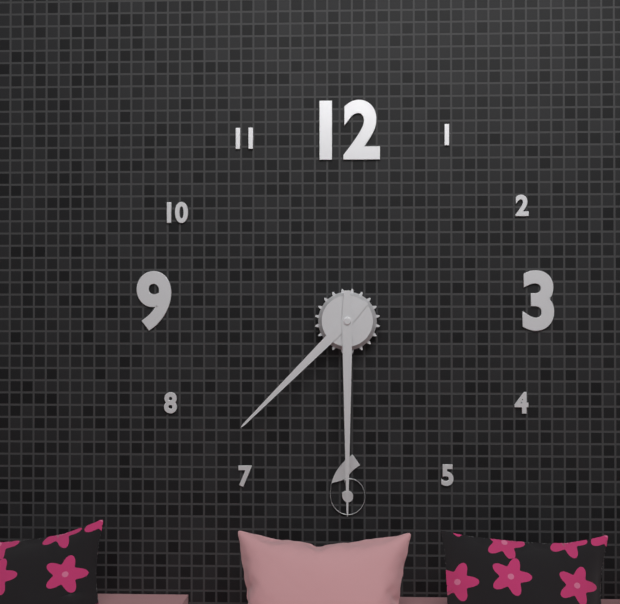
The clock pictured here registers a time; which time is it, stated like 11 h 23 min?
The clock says 7 h 30 min
